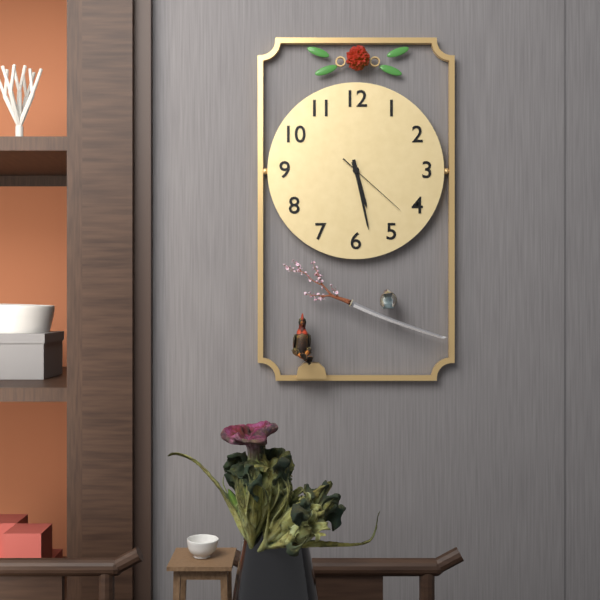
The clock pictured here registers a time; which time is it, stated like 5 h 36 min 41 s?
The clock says 5 h 28 min 22 s
